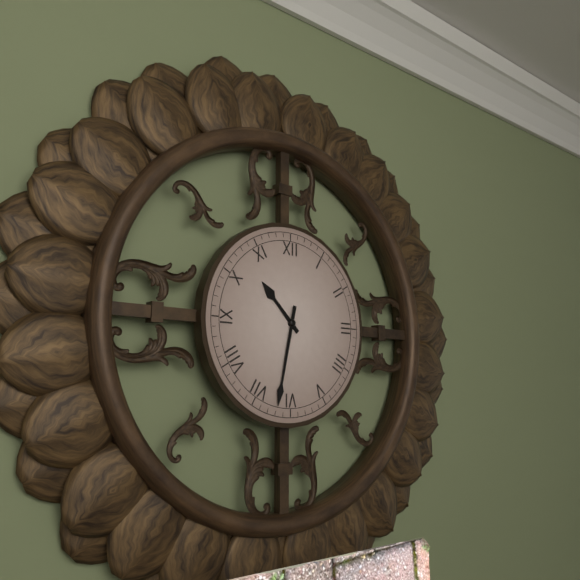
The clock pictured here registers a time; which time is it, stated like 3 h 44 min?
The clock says 10 h 32 min
